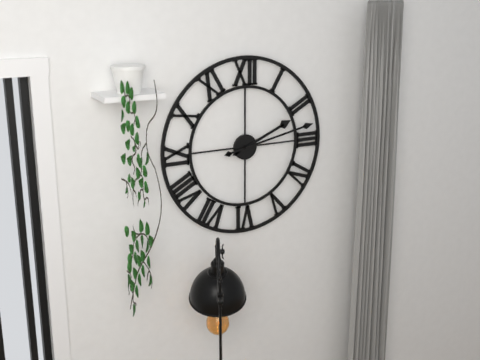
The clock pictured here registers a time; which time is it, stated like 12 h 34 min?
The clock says 2 h 13 min
